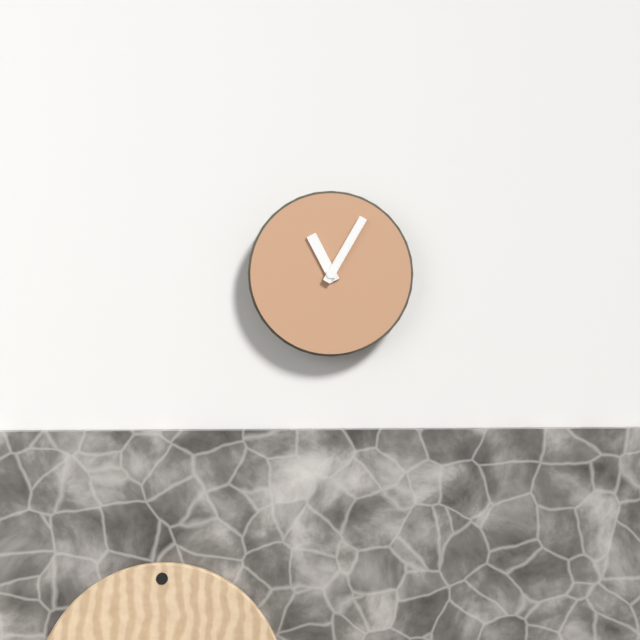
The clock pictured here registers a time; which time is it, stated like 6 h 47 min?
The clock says 11 h 05 min
